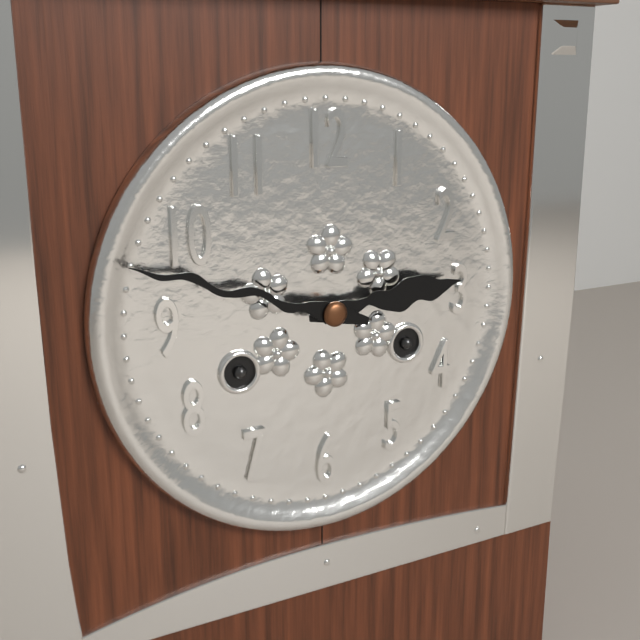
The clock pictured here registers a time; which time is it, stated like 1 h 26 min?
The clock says 2 h 48 min
